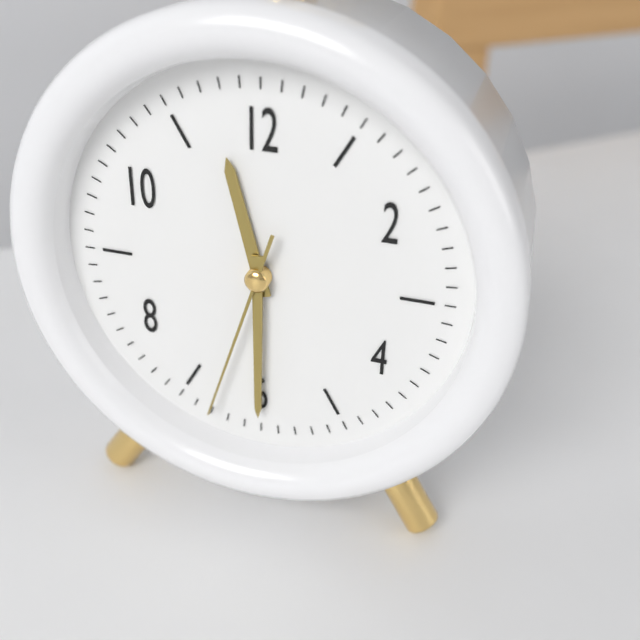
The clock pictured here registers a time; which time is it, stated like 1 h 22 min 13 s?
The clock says 11 h 30 min 33 s
